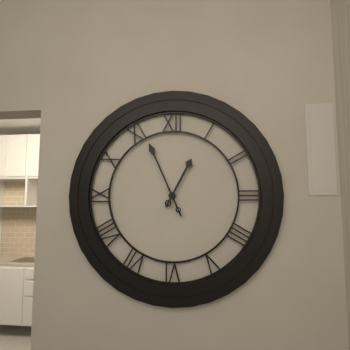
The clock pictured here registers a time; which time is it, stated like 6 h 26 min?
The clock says 12 h 56 min
